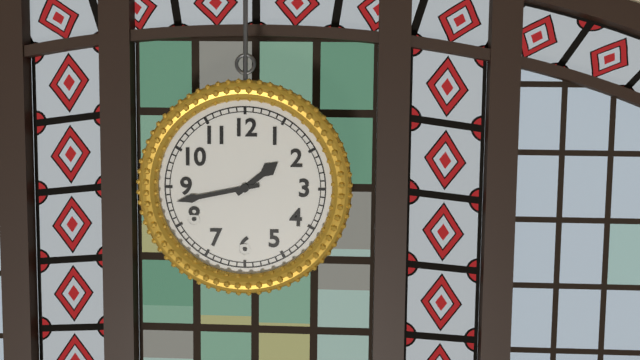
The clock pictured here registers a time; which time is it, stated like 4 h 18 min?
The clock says 1 h 43 min
